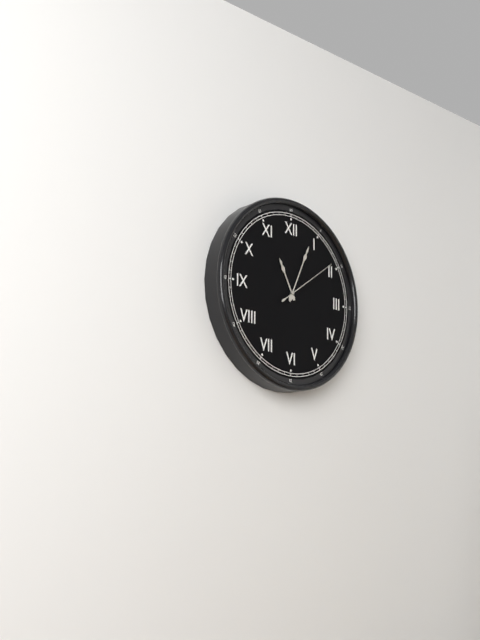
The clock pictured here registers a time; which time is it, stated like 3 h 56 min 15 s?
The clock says 11 h 04 min 09 s
